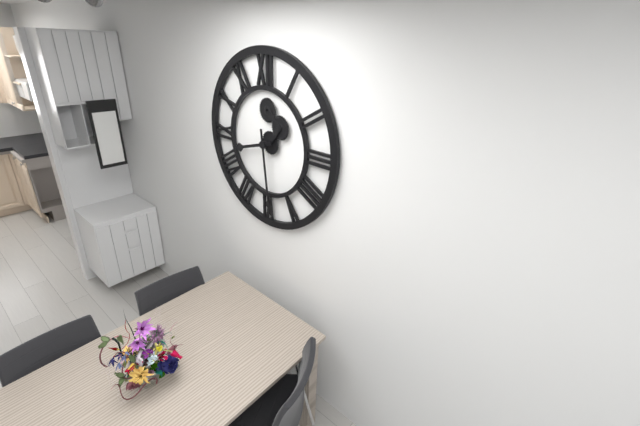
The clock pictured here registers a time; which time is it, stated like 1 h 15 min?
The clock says 8 h 29 min
